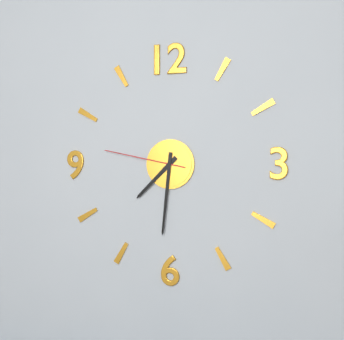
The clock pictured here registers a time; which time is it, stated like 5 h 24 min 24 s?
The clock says 7 h 31 min 47 s
